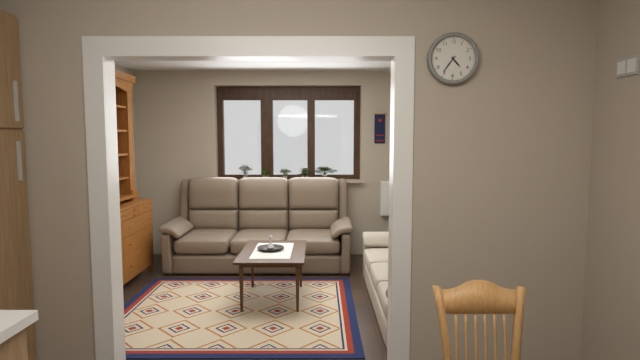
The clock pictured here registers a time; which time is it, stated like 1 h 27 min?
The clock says 4 h 36 min
